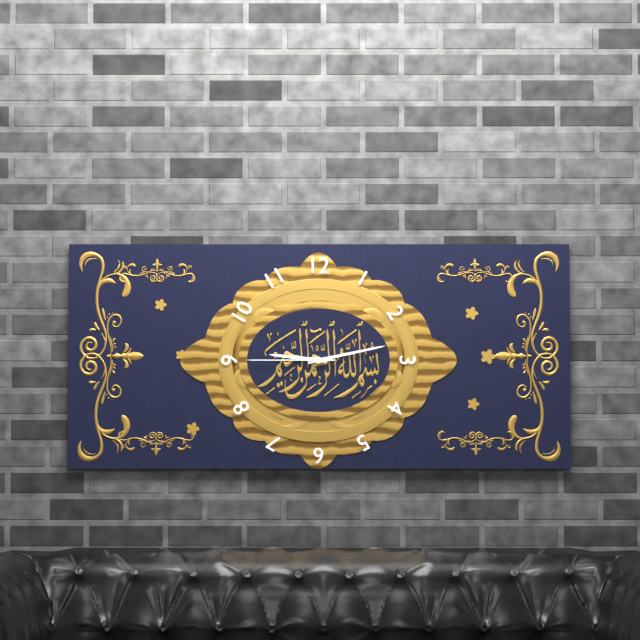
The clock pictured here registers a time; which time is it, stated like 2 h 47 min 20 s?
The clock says 9 h 13 min 45 s
